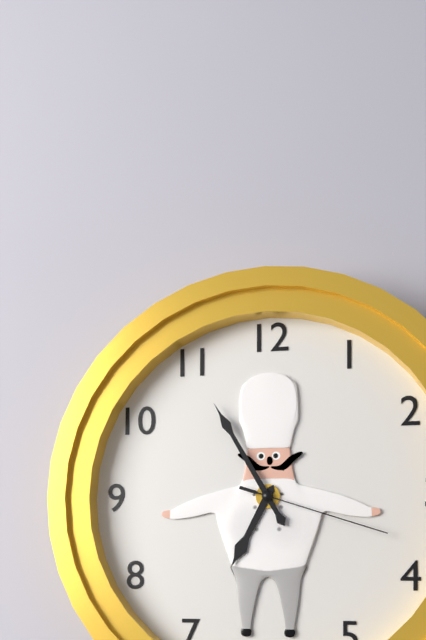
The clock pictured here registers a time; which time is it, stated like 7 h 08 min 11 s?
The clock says 6 h 55 min 18 s
